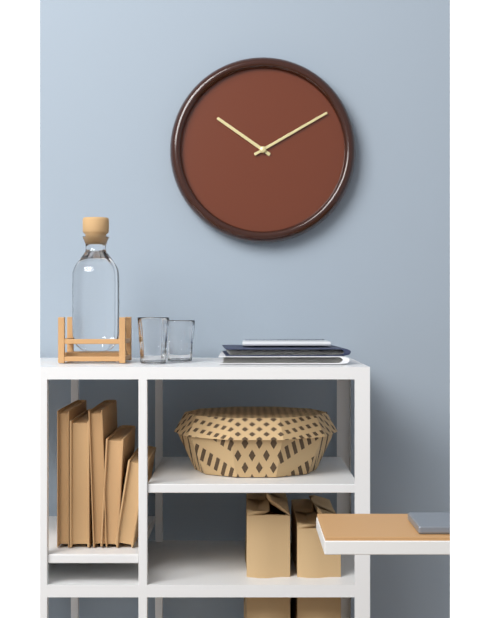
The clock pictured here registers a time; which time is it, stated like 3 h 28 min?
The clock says 10 h 10 min
